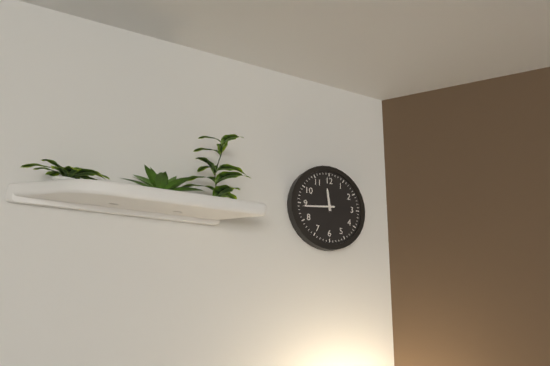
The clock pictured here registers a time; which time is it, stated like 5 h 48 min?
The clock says 11 h 44 min
